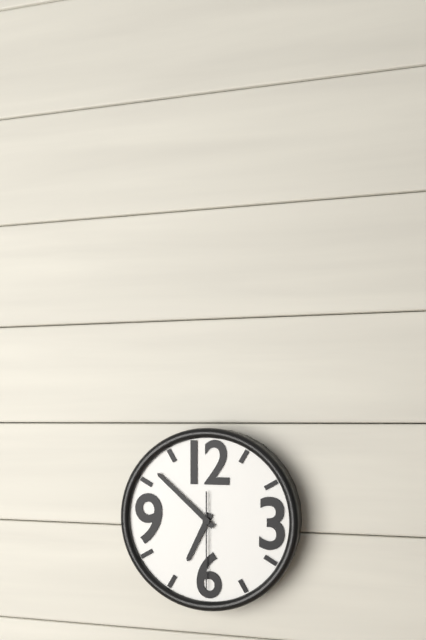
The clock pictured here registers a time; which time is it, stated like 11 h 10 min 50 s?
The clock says 6 h 52 min 30 s
